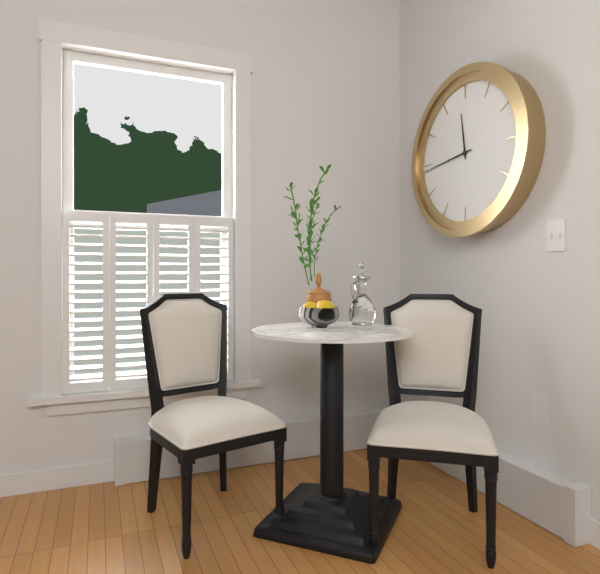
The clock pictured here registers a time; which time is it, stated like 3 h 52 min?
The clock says 11 h 44 min
